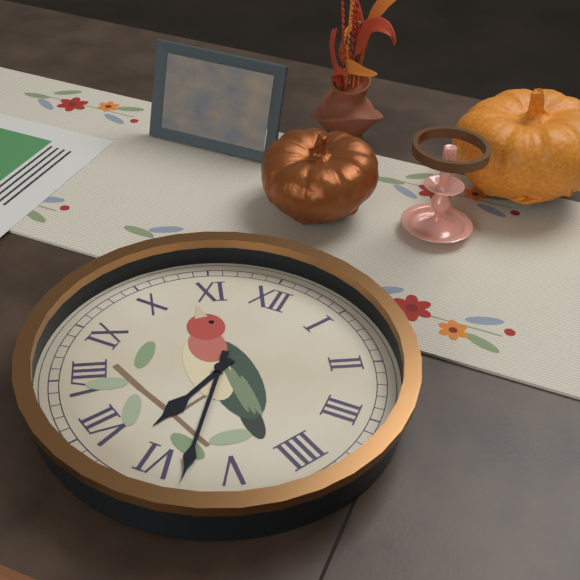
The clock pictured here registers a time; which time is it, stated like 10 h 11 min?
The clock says 6 h 28 min
